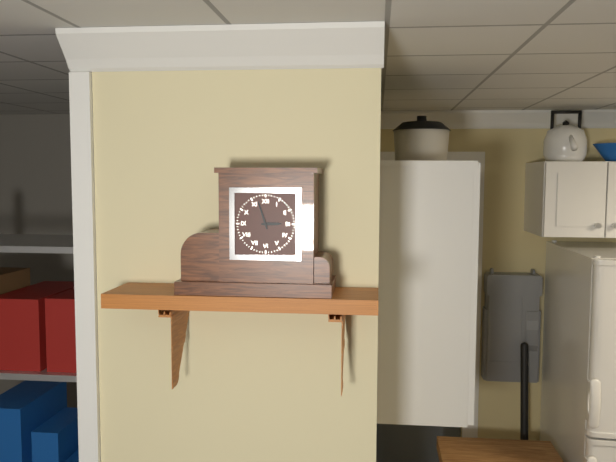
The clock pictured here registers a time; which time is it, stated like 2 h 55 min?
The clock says 2 h 57 min
